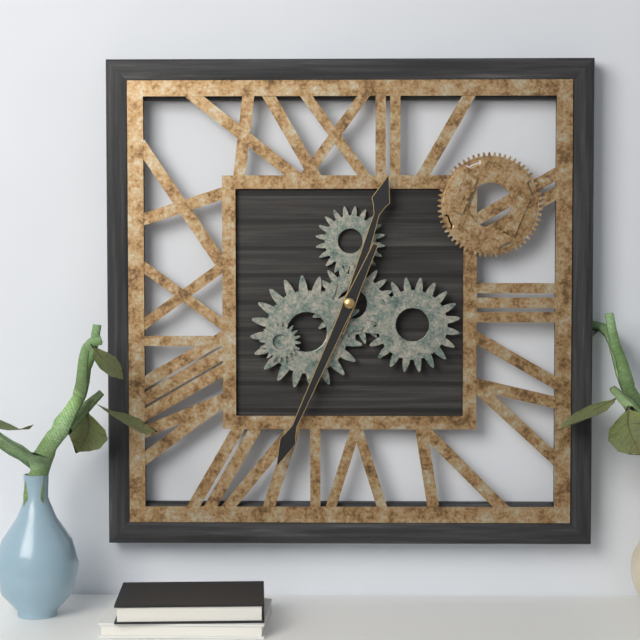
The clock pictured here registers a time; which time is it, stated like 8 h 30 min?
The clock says 12 h 34 min
